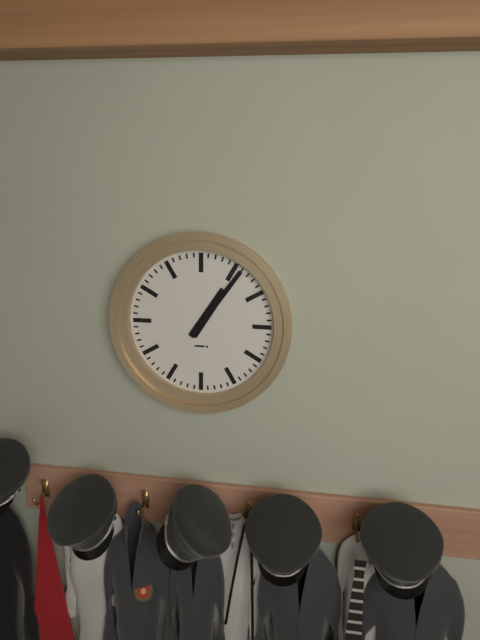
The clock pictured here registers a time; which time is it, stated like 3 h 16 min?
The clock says 1 h 06 min
